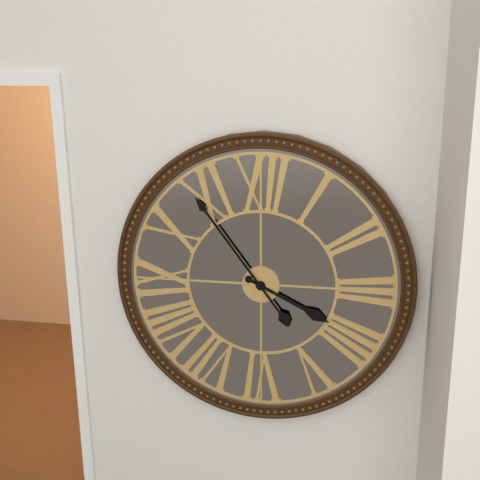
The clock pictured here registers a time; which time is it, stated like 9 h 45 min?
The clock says 3 h 54 min
